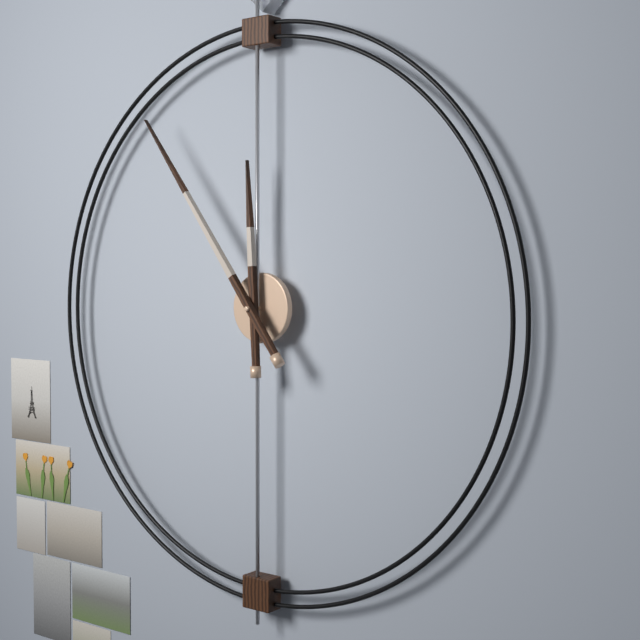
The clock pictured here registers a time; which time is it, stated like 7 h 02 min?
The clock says 11 h 54 min
